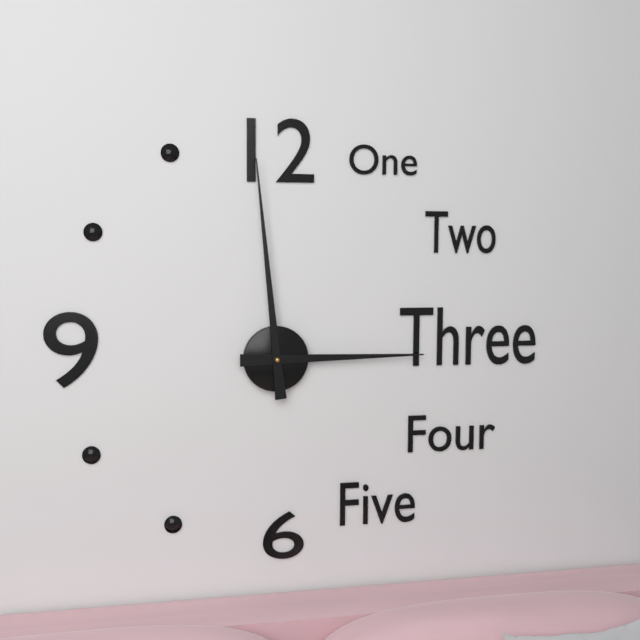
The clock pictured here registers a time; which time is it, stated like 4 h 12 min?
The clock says 2 h 59 min
